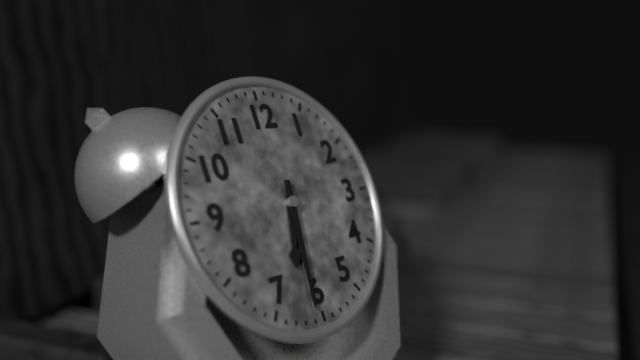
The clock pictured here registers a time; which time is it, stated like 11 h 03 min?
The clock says 6 h 31 min
